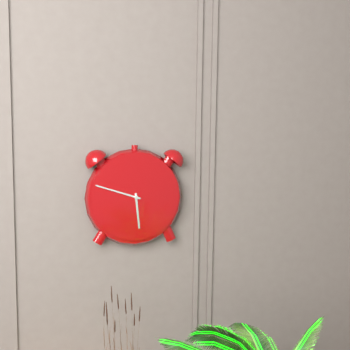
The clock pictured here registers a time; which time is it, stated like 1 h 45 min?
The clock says 5 h 48 min
